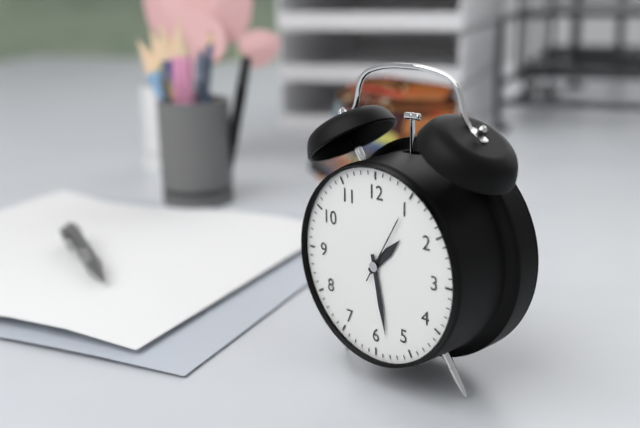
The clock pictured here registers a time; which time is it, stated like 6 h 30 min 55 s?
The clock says 1 h 28 min 05 s
